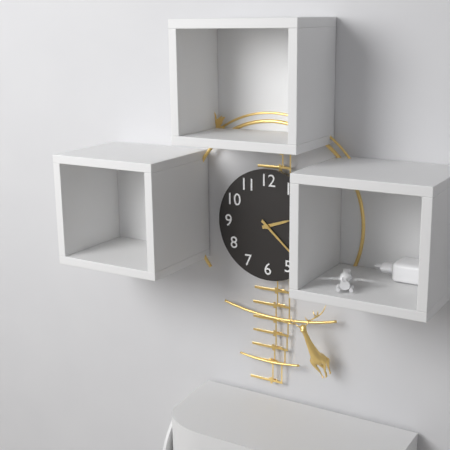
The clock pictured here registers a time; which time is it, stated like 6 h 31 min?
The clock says 2 h 22 min
